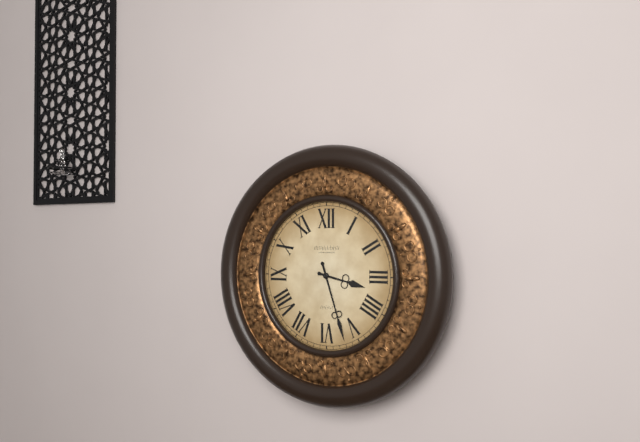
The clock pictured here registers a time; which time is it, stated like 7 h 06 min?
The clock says 3 h 27 min
